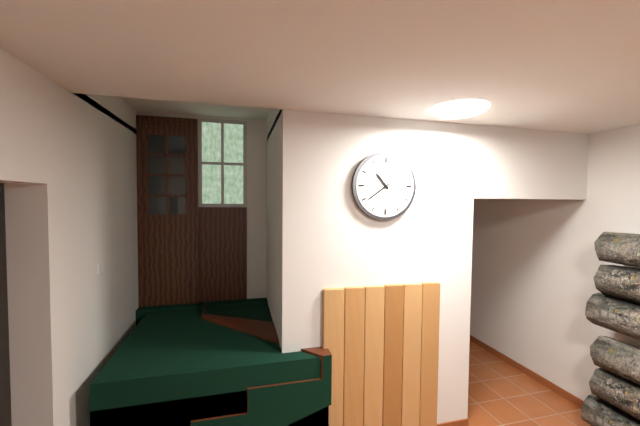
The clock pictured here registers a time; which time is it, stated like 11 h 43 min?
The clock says 10 h 39 min
